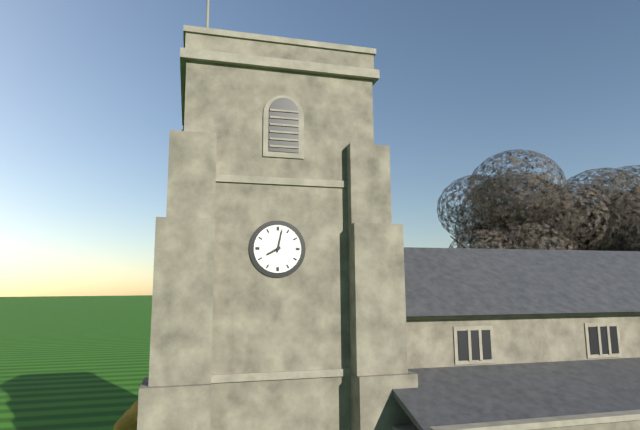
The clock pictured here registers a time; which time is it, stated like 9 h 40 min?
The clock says 8 h 02 min
